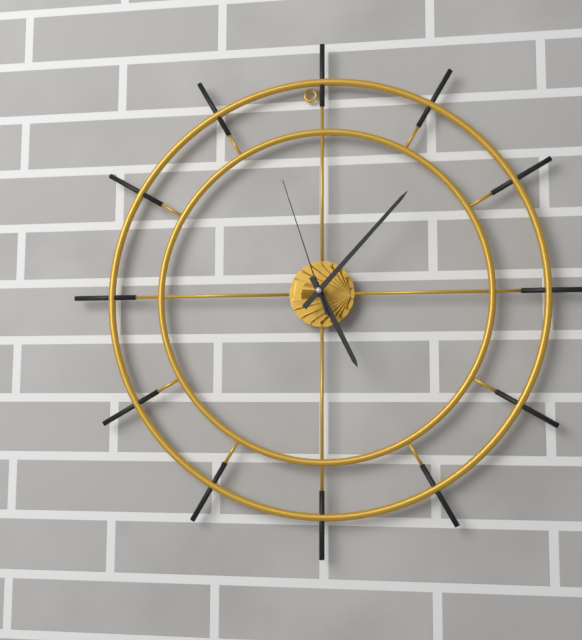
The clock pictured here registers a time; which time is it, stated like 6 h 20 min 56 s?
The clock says 5 h 07 min 57 s
